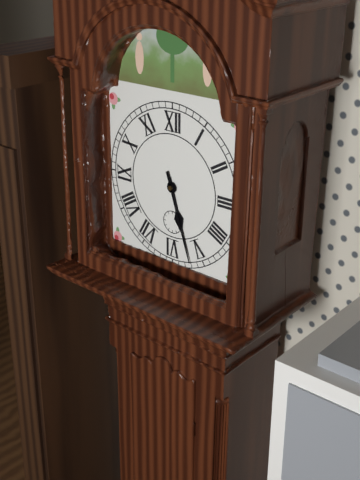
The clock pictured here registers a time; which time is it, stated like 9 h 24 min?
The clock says 5 h 27 min
